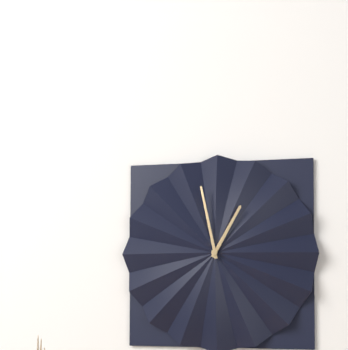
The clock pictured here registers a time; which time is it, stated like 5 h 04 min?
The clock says 12 h 58 min
